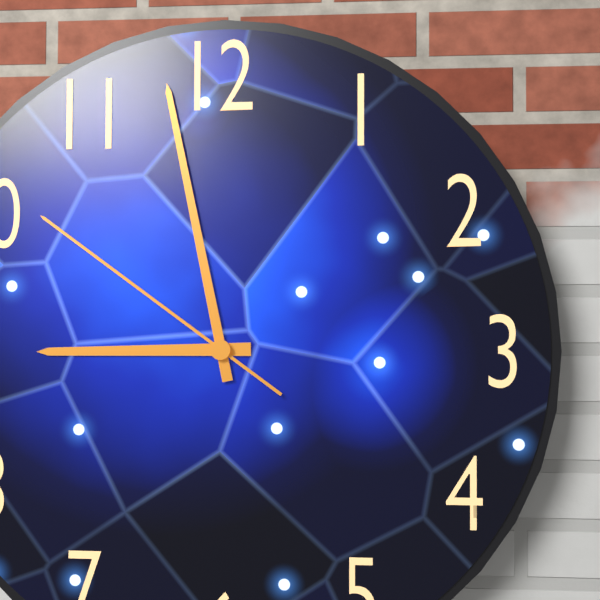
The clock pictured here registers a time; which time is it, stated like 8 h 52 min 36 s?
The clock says 8 h 58 min 51 s
